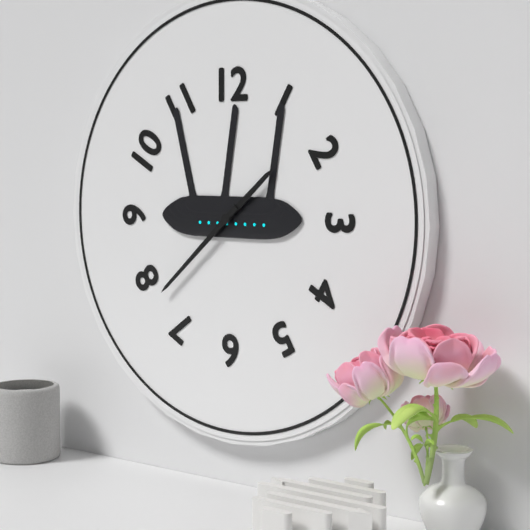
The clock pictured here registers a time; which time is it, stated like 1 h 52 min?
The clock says 1 h 38 min
